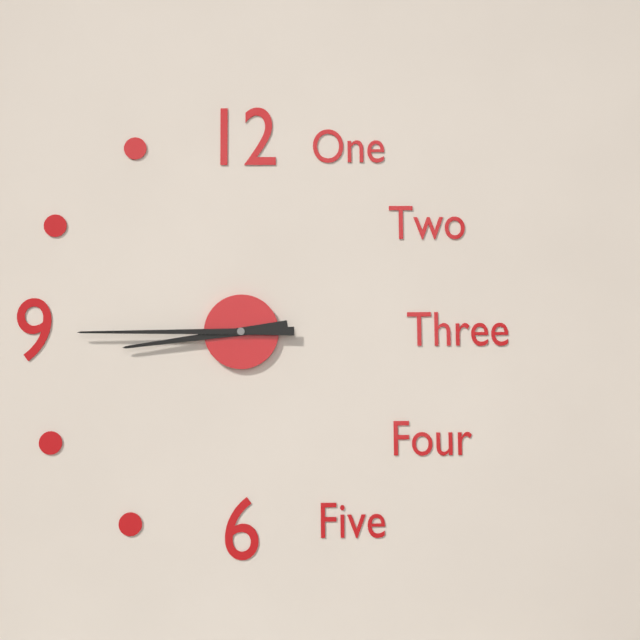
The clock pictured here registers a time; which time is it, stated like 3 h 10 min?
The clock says 8 h 45 min
